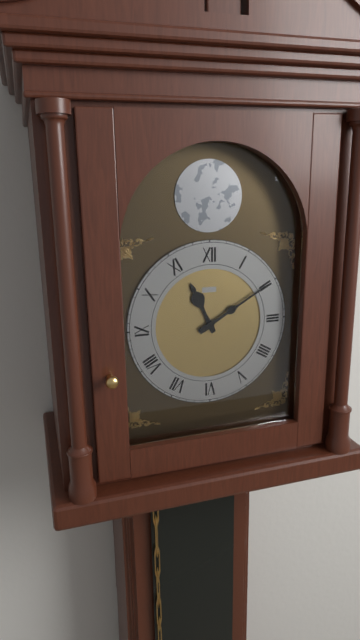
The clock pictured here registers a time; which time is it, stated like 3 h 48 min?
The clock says 11 h 10 min
